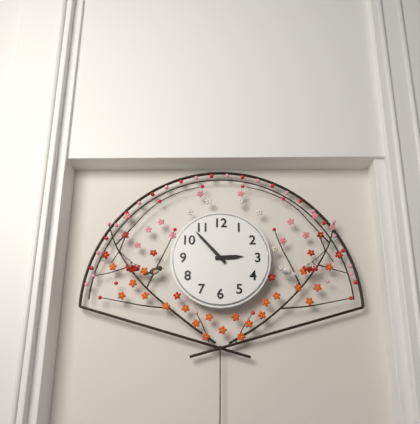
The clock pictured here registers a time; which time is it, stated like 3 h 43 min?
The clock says 2 h 53 min
